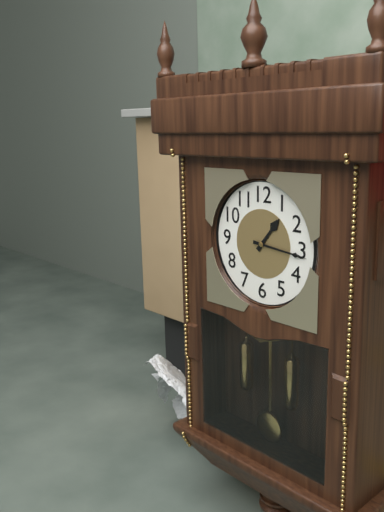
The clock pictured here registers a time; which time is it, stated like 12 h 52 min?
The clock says 1 h 16 min
